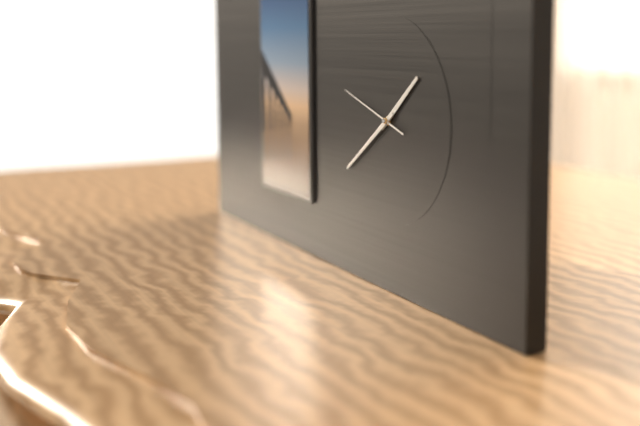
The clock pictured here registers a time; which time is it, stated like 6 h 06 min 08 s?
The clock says 1 h 39 min 48 s
